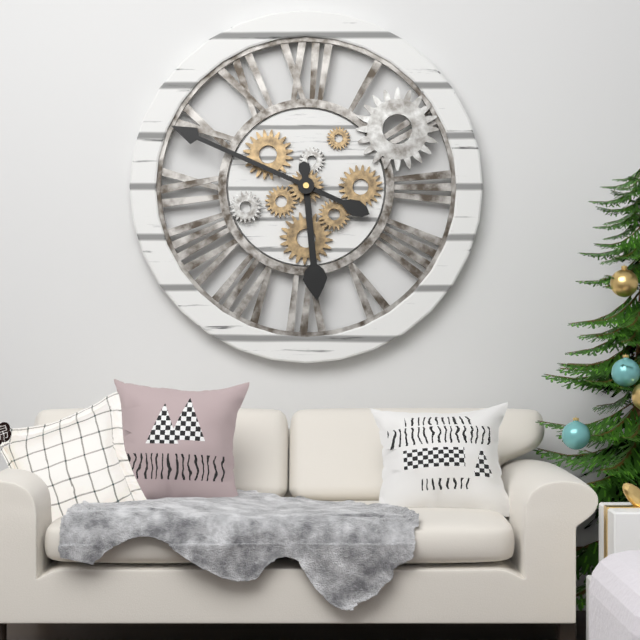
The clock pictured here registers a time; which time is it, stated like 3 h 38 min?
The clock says 5 h 49 min
